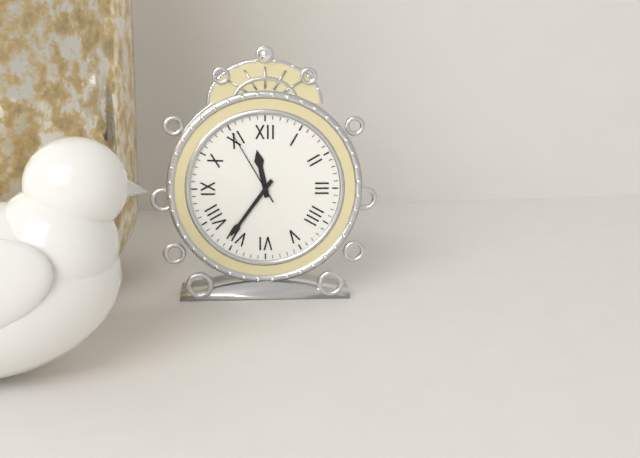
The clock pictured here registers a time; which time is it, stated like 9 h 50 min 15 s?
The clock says 11 h 36 min 55 s
